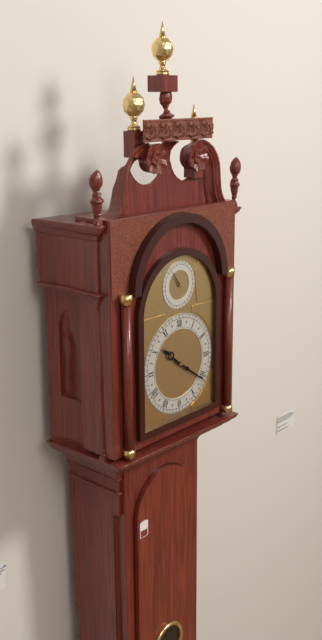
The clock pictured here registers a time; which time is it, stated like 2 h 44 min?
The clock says 10 h 21 min
